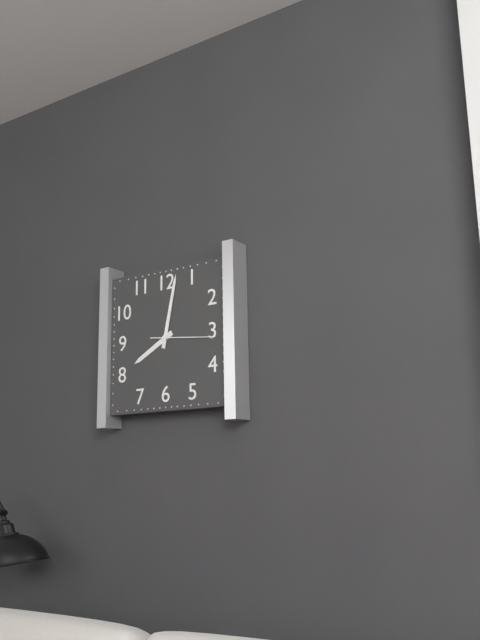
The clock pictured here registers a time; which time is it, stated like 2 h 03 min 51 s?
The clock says 8 h 02 min 16 s
